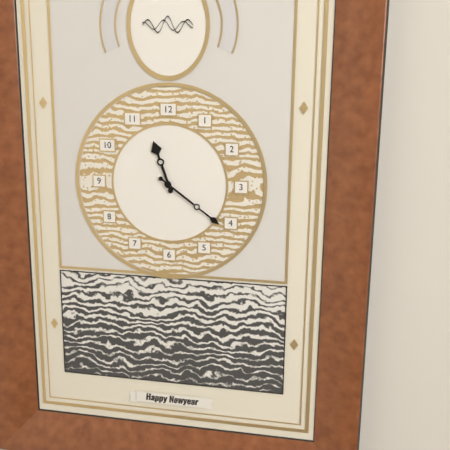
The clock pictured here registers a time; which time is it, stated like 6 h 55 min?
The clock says 11 h 21 min
